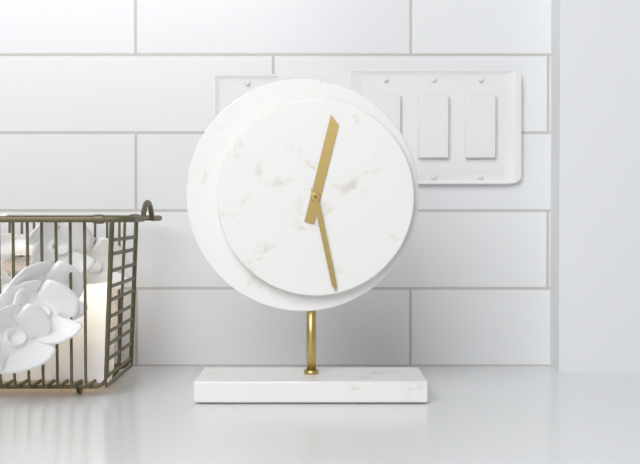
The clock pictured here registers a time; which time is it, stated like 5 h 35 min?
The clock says 12 h 28 min
